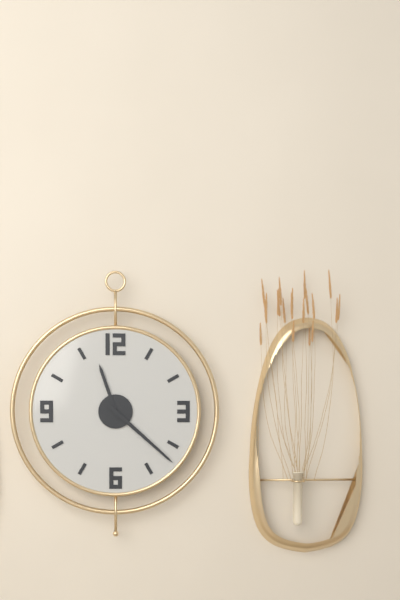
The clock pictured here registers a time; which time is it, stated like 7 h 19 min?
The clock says 11 h 22 min
